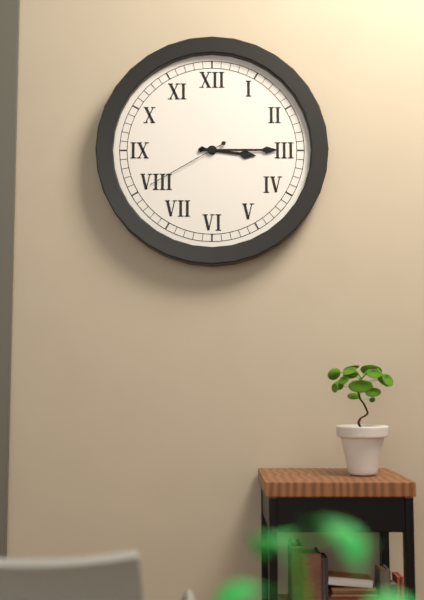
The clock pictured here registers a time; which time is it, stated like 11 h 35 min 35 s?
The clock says 3 h 15 min 40 s
